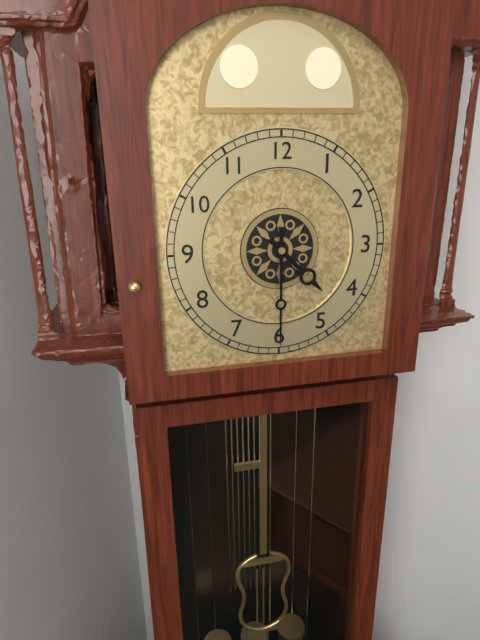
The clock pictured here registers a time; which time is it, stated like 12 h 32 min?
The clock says 4 h 30 min
